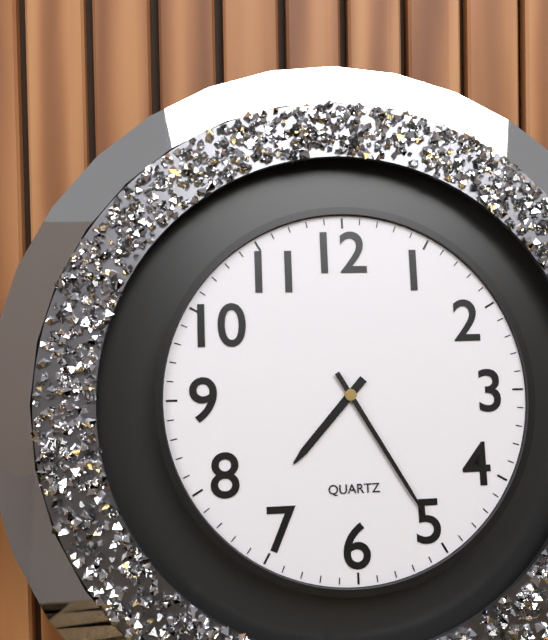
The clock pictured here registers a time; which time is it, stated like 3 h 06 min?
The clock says 7 h 25 min
